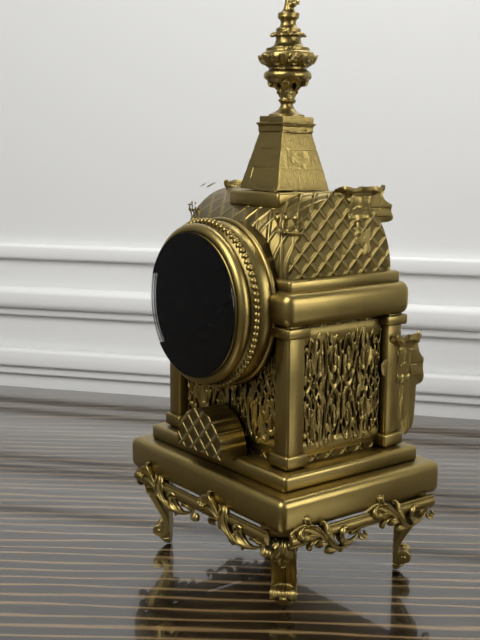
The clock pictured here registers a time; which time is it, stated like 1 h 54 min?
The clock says 3 h 46 min
